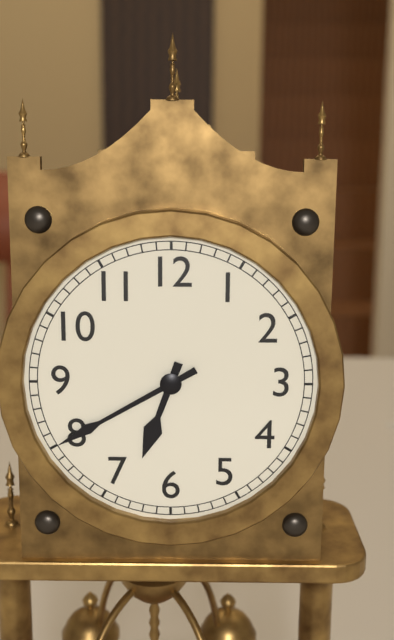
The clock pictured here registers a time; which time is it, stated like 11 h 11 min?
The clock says 6 h 40 min
